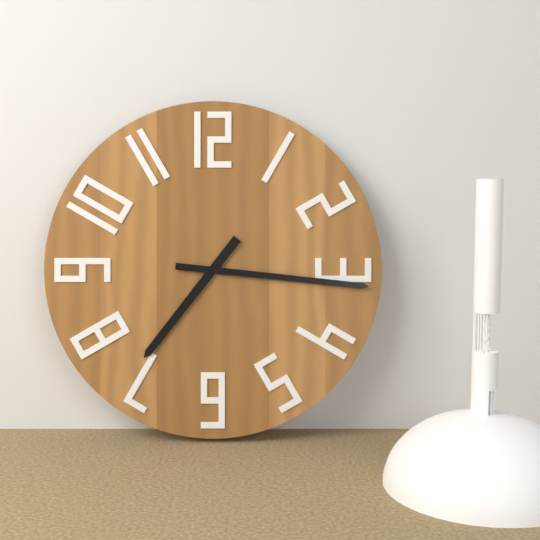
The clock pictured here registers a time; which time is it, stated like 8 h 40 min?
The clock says 7 h 16 min
